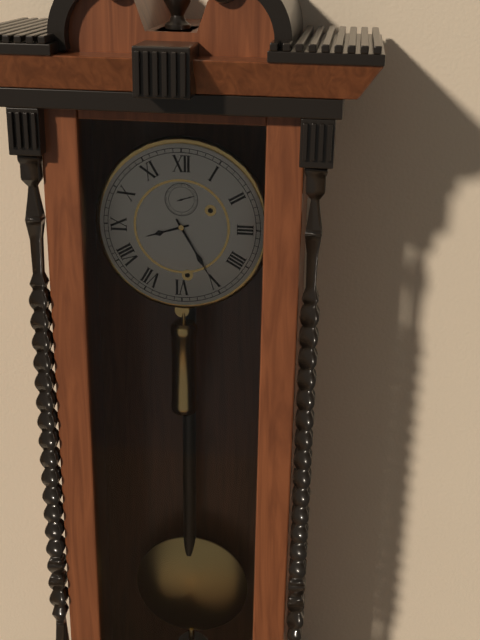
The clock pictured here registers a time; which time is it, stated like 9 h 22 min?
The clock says 8 h 25 min
